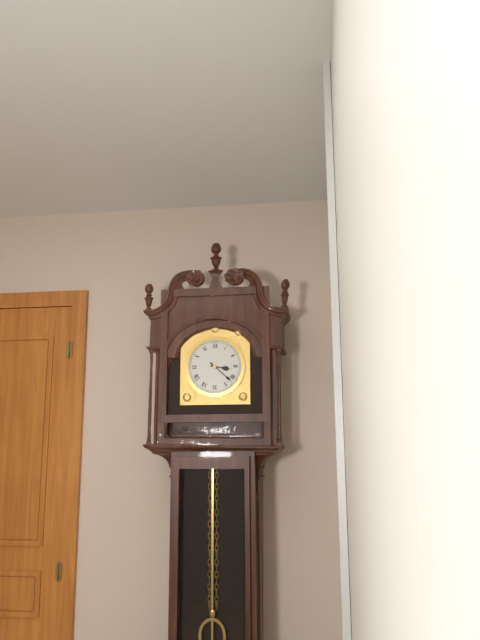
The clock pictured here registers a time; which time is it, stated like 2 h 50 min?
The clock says 3 h 22 min
